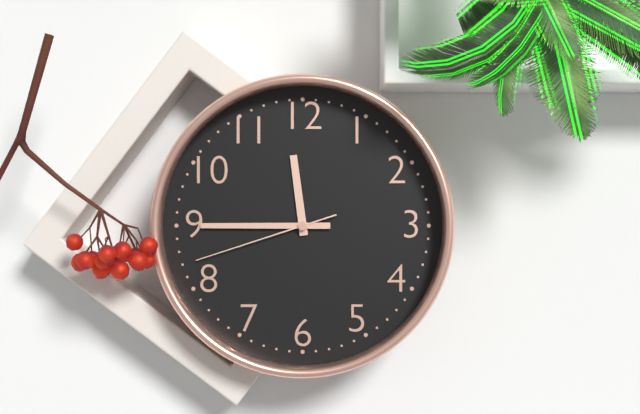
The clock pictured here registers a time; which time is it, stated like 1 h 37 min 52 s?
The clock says 11 h 45 min 42 s
